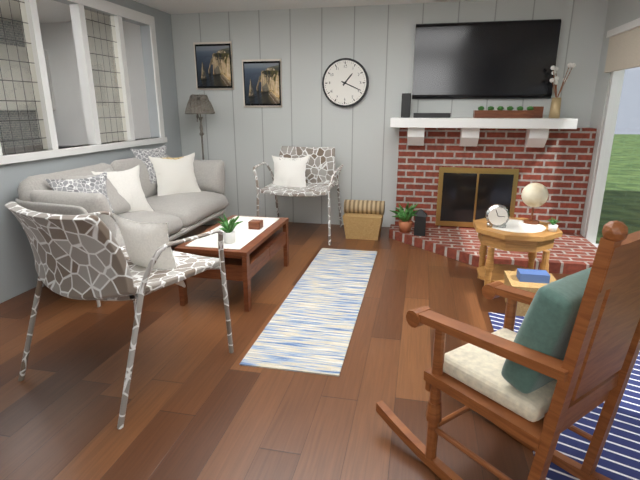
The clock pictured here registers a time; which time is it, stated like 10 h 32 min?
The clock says 1 h 19 min
